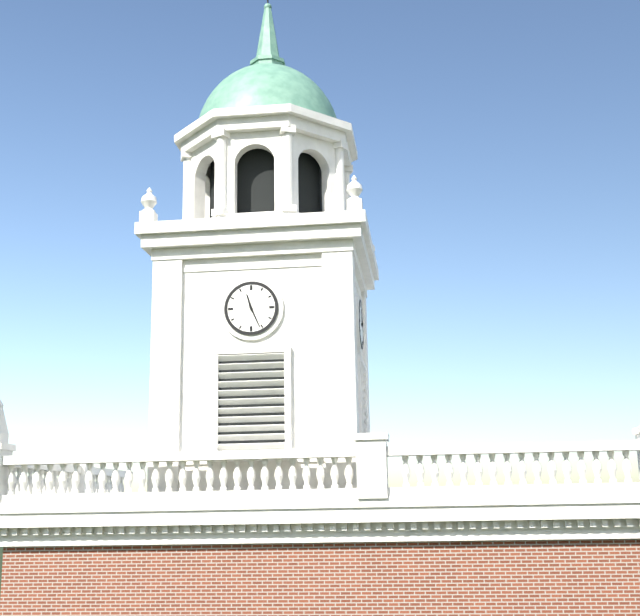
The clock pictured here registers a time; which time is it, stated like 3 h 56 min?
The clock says 11 h 26 min
